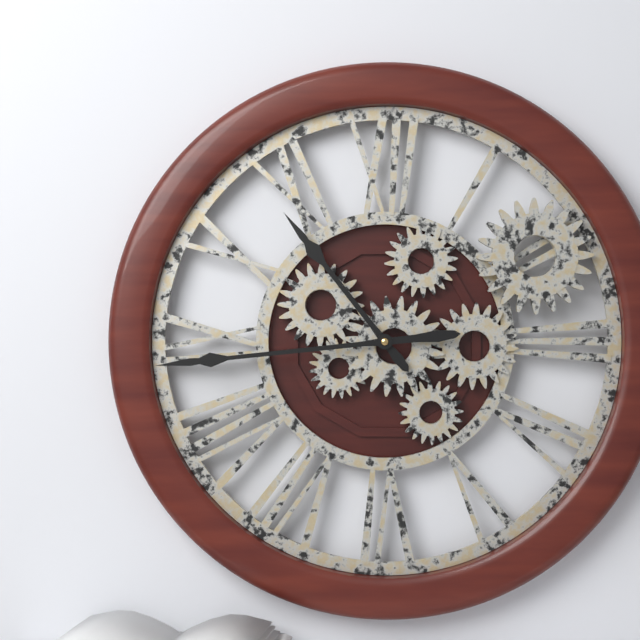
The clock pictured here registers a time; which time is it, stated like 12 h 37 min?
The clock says 10 h 44 min
